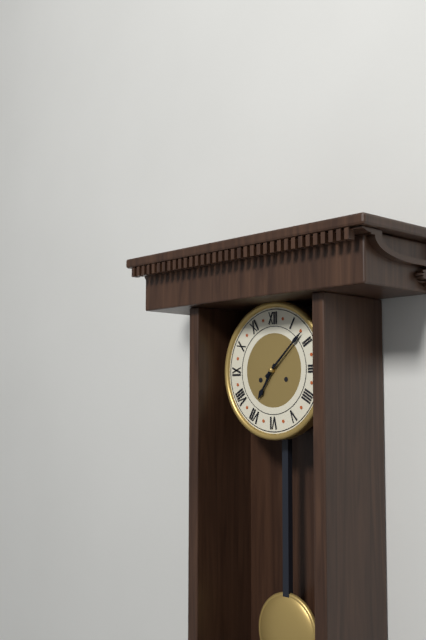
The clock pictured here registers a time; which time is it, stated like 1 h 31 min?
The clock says 7 h 08 min
